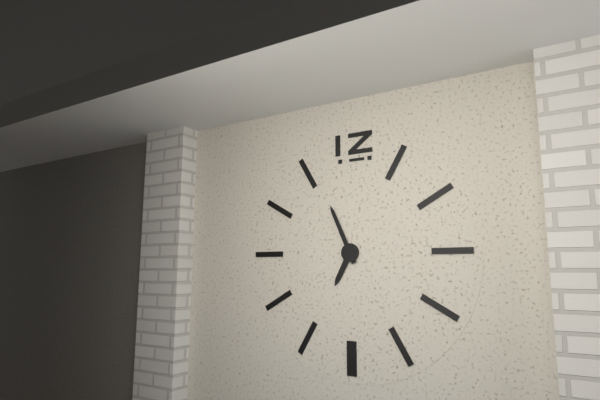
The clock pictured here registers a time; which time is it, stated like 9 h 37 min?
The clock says 6 h 56 min
